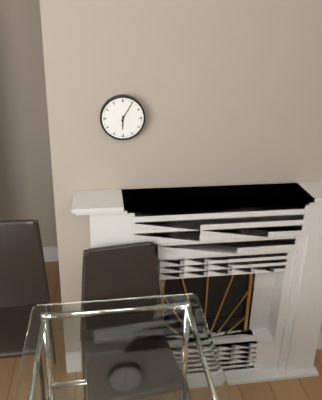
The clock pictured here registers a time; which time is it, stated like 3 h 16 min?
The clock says 6 h 05 min
